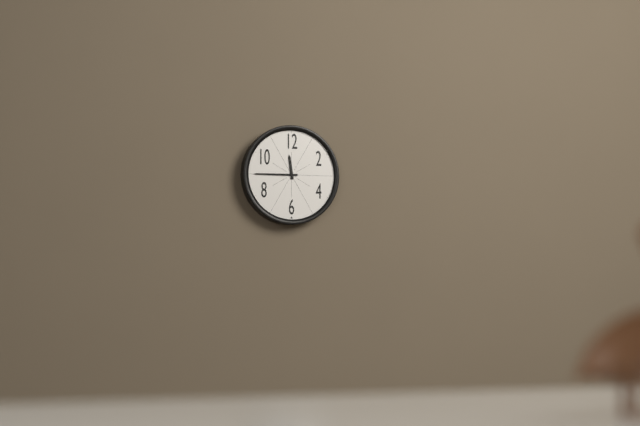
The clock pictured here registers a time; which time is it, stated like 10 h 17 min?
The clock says 11 h 45 min
